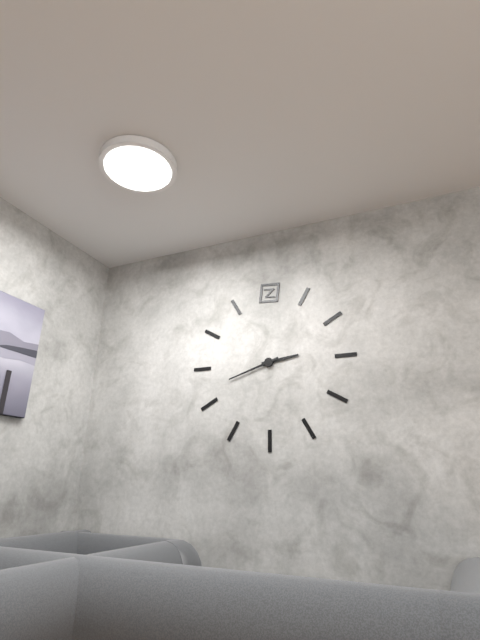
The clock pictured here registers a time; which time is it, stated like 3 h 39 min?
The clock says 2 h 42 min
